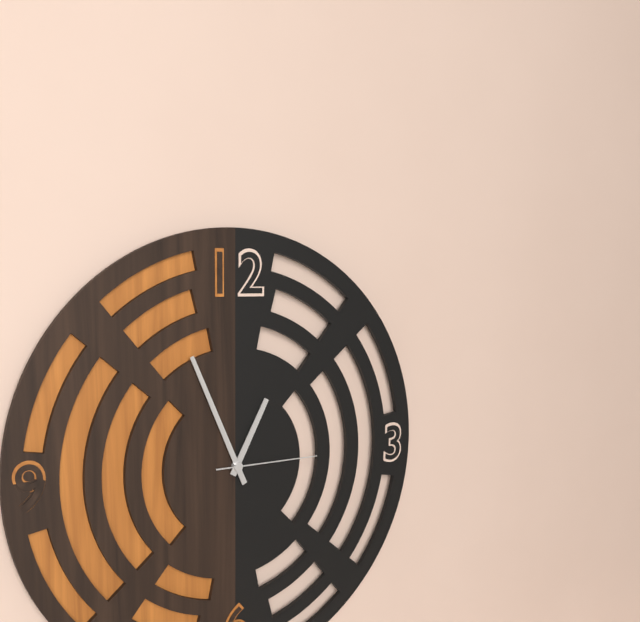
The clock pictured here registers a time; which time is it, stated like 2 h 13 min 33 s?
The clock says 12 h 56 min 15 s
